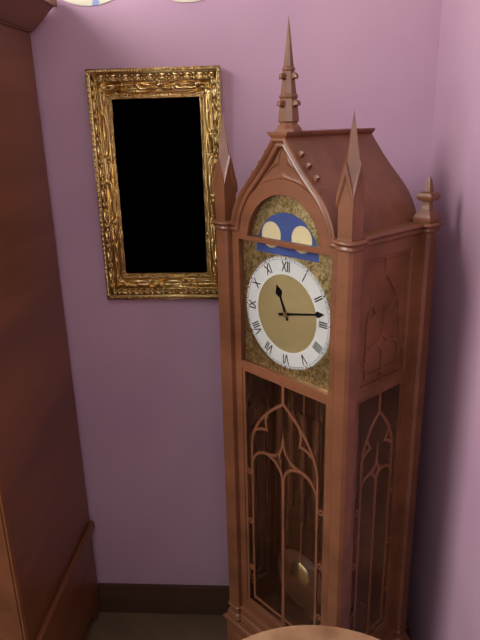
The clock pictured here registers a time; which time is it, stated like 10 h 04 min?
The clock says 11 h 13 min
